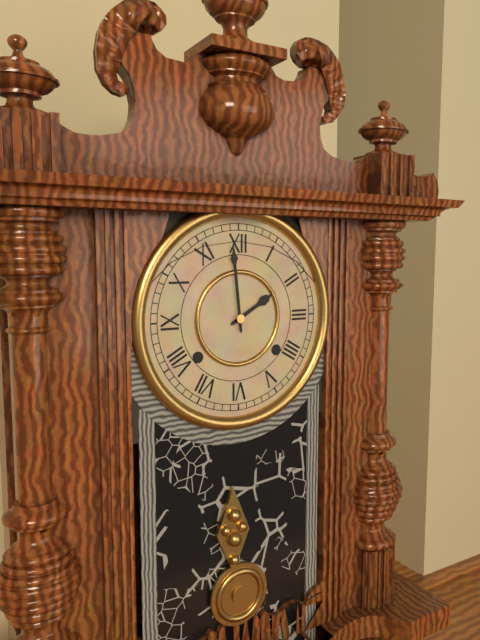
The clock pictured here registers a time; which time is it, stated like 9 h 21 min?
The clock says 1 h 59 min
